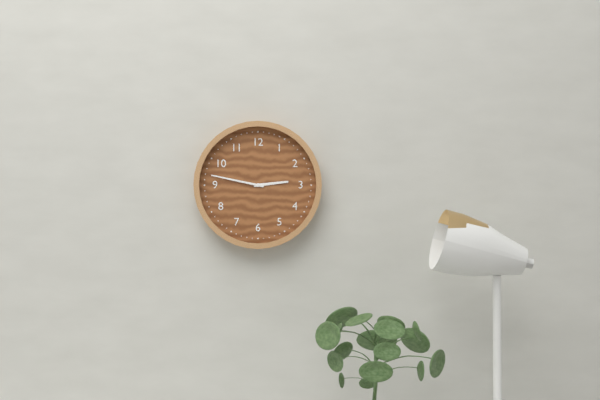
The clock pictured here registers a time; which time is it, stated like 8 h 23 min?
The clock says 2 h 47 min
